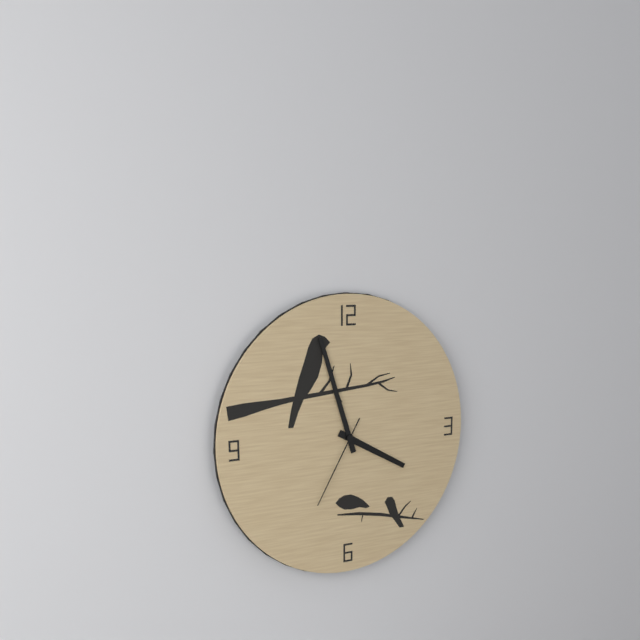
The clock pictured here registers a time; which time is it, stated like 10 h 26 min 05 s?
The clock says 3 h 57 min 35 s
